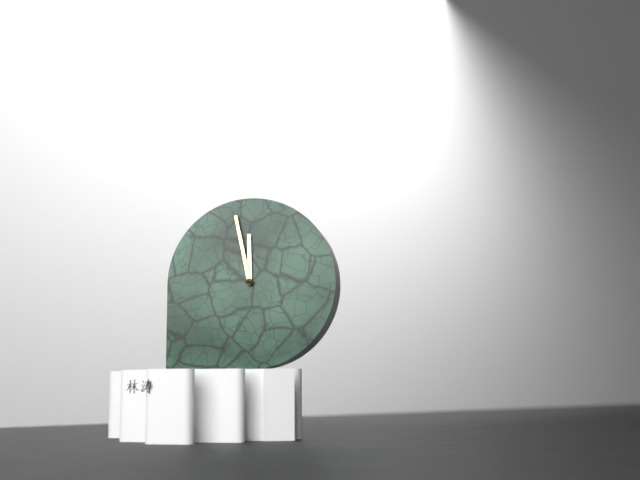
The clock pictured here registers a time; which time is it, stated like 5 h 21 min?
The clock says 11 h 58 min
